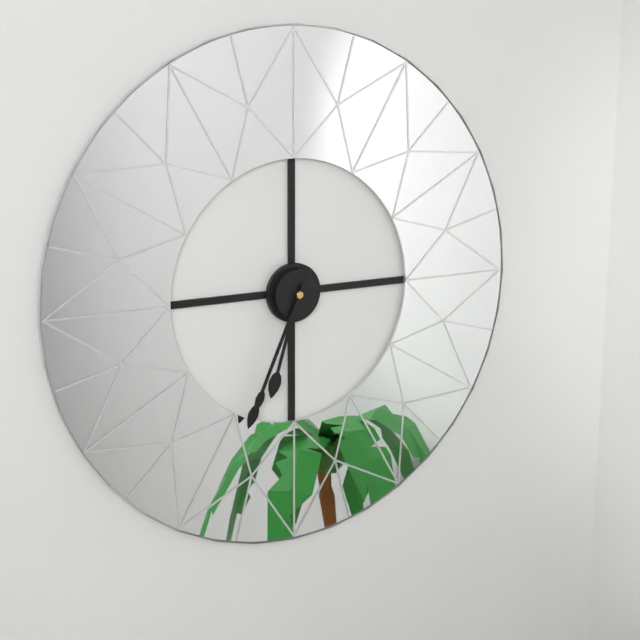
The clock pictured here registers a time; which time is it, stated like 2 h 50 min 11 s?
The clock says 6 h 34 min 34 s
